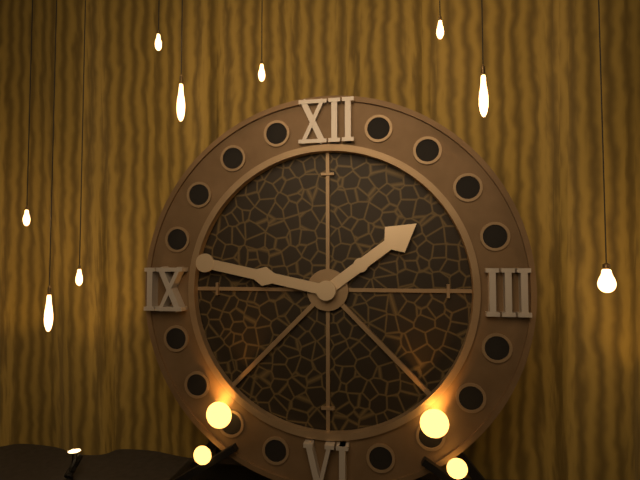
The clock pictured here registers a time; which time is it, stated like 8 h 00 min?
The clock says 1 h 47 min
